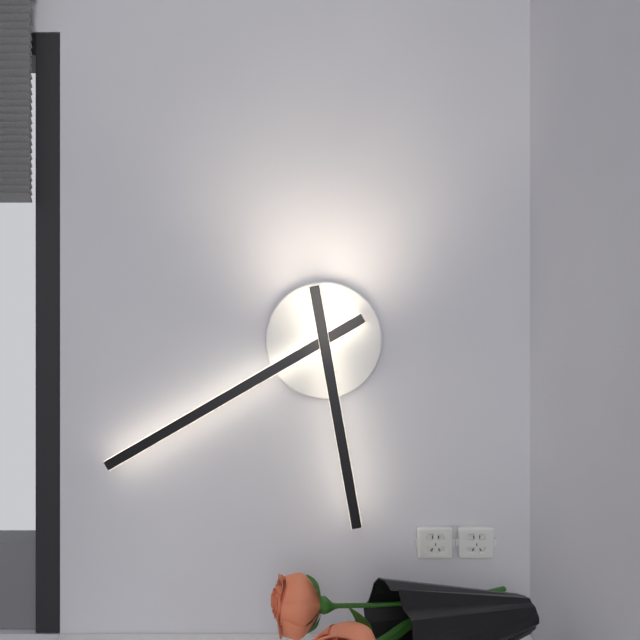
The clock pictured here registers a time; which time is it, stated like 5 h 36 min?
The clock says 5 h 40 min
